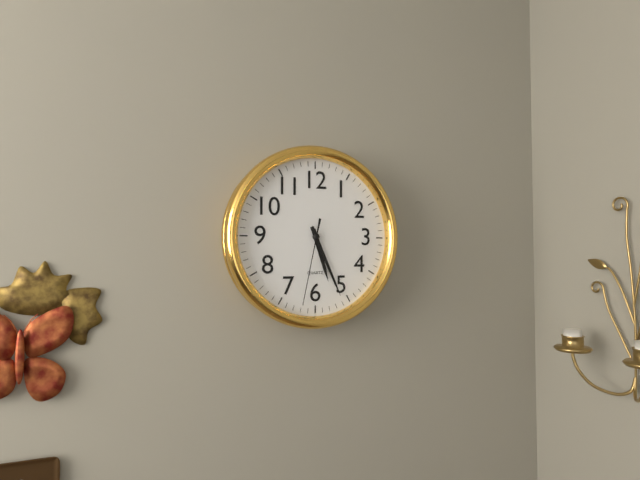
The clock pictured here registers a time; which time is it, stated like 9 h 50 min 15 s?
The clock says 5 h 26 min 32 s
